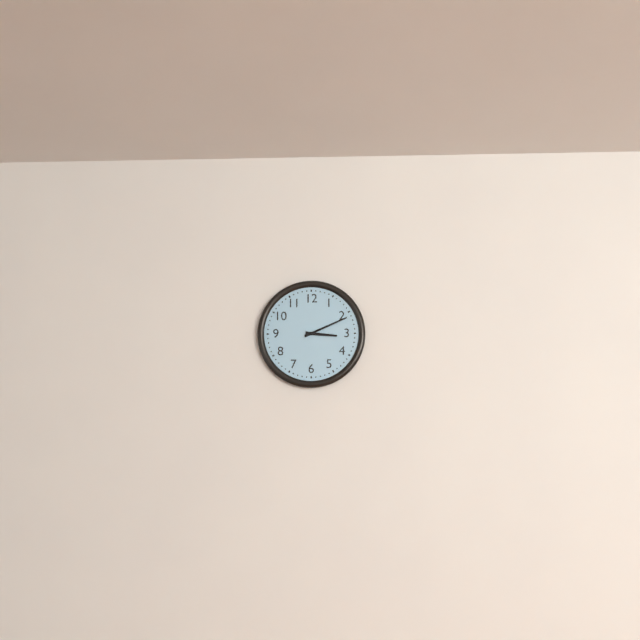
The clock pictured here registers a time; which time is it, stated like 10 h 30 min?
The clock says 3 h 11 min
